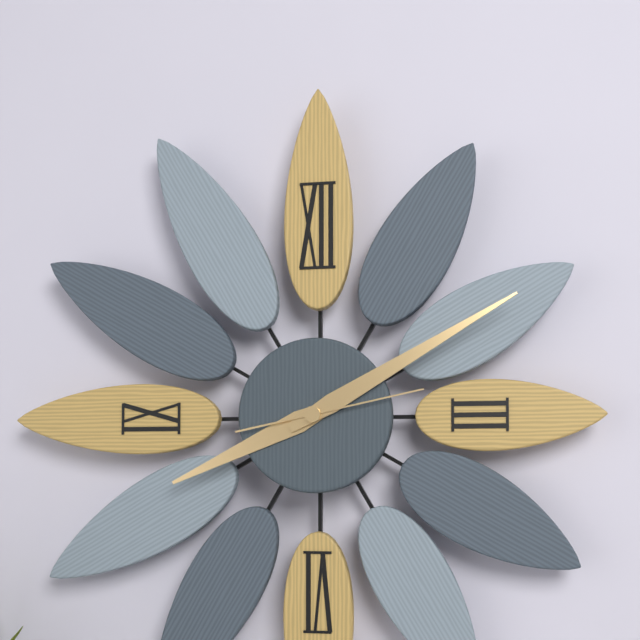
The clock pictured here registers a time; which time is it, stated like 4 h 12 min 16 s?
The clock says 8 h 10 min 13 s
